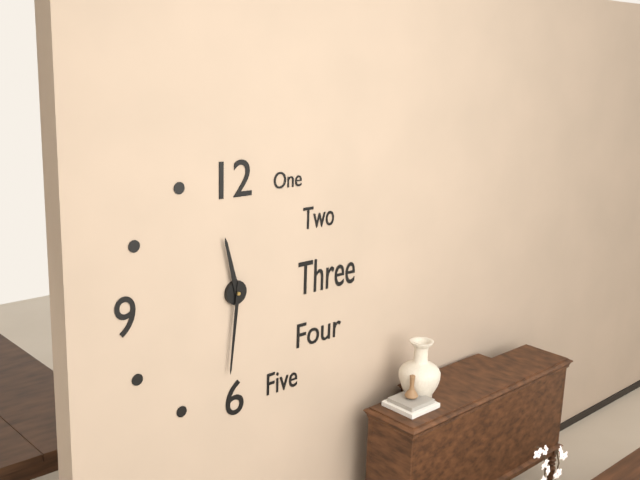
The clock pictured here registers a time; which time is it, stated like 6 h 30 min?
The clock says 11 h 31 min
